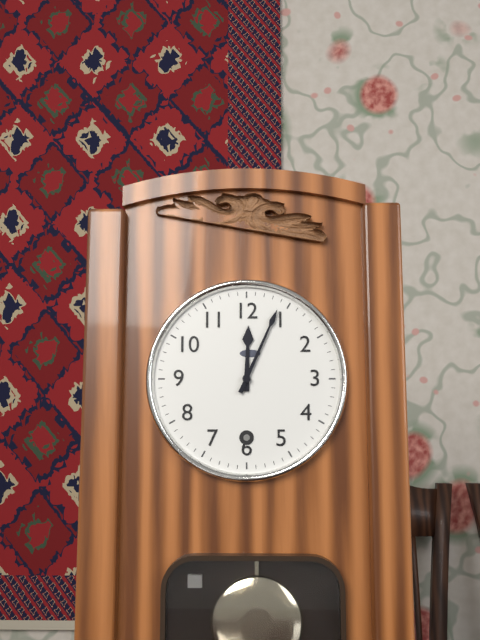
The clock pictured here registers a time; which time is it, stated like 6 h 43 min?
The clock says 12 h 04 min
